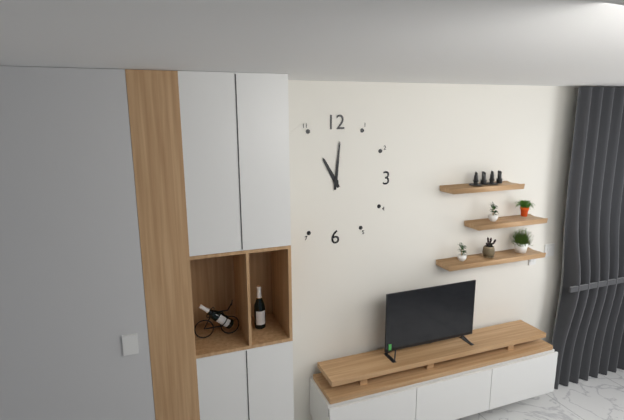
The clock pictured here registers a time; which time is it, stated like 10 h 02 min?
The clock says 11 h 01 min
